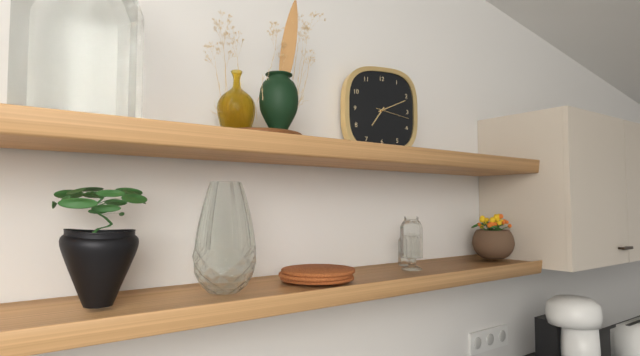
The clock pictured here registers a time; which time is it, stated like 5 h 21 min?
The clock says 7 h 11 min
